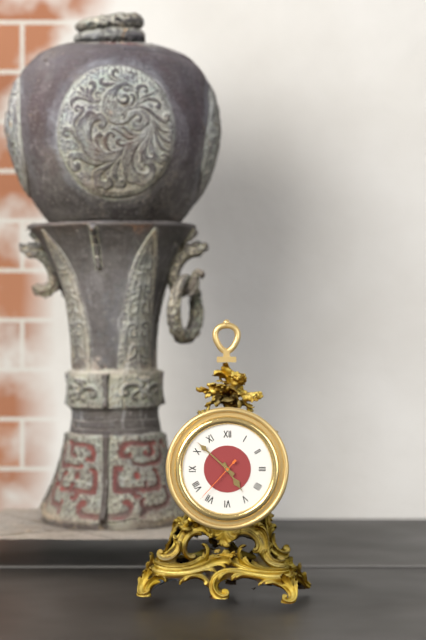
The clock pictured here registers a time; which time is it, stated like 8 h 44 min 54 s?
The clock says 4 h 52 min 37 s
